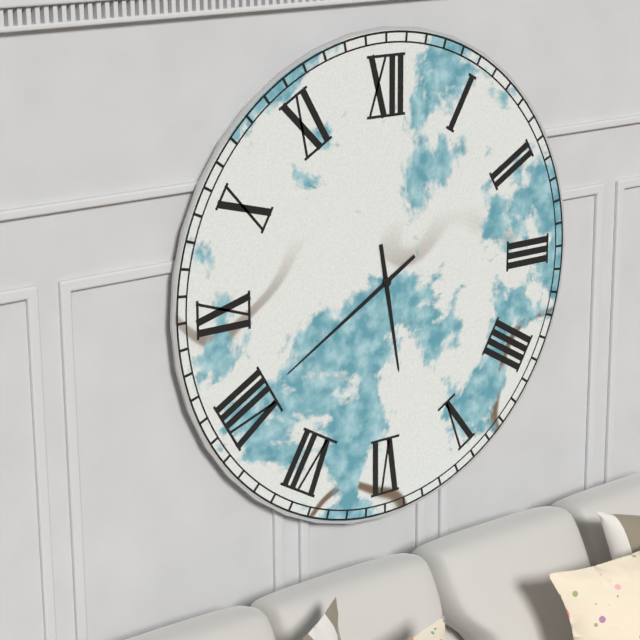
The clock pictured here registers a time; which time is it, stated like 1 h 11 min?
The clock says 5 h 40 min
